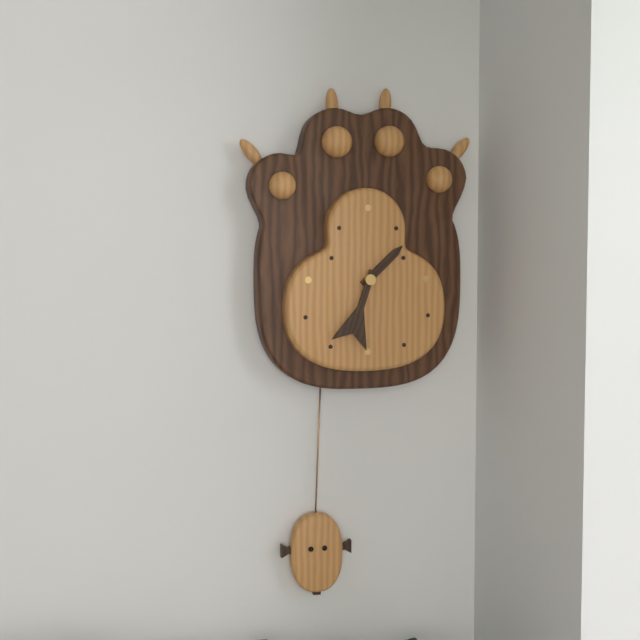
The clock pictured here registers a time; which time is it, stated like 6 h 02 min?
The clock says 1 h 33 min
